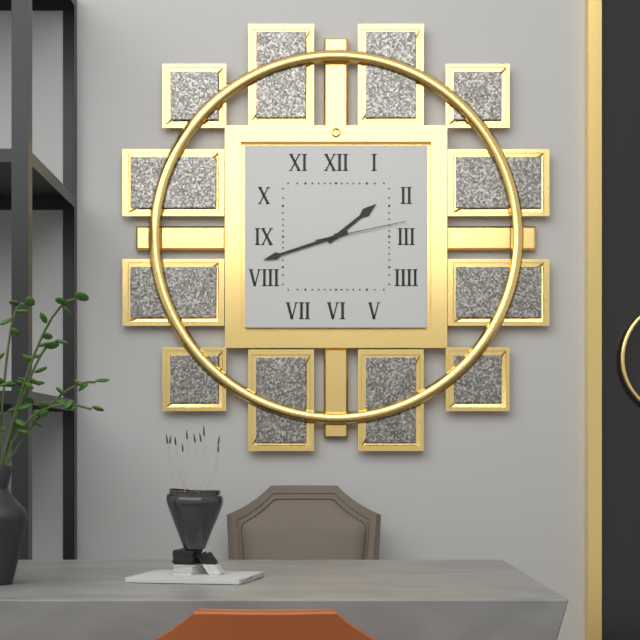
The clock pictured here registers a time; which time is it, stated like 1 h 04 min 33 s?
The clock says 1 h 42 min 13 s
